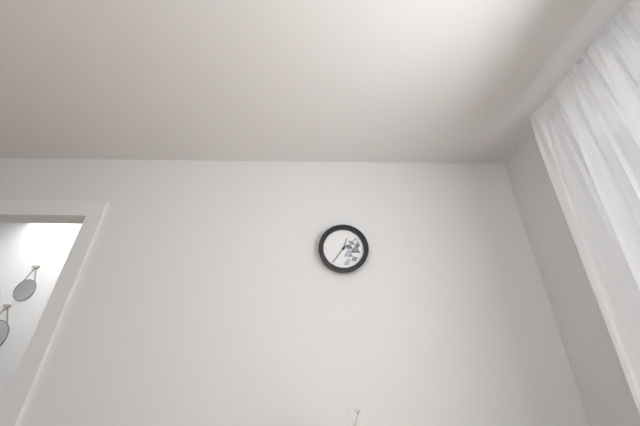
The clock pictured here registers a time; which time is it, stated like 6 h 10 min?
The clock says 12 h 36 min
